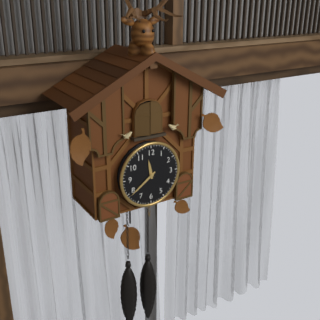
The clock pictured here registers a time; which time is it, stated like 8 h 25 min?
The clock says 11 h 39 min
